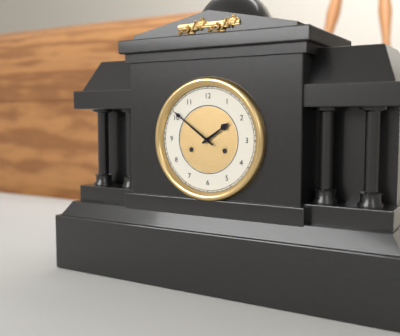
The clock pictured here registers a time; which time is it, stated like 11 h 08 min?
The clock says 1 h 51 min
